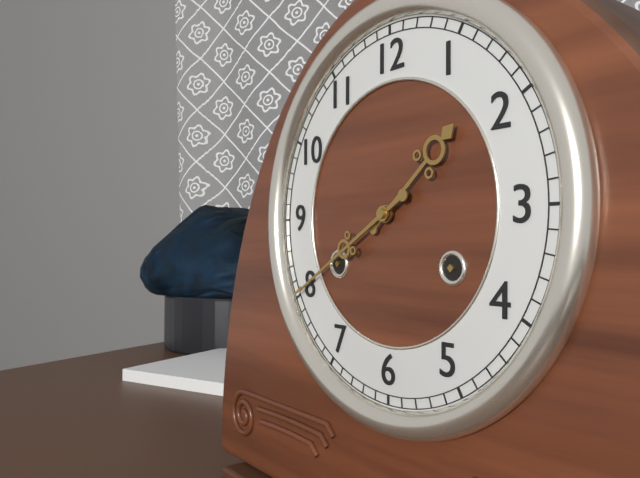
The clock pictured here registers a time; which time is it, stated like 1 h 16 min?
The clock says 1 h 40 min
